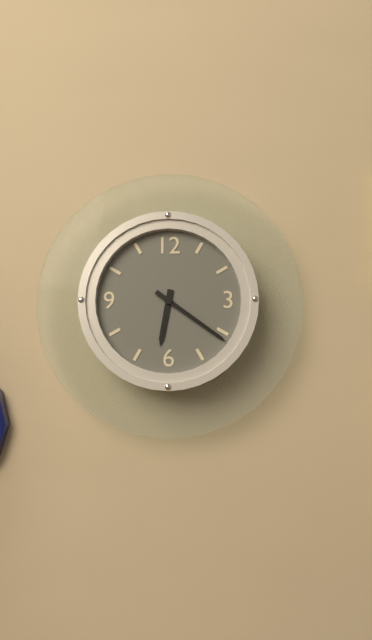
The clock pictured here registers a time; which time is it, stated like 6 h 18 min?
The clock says 6 h 21 min
